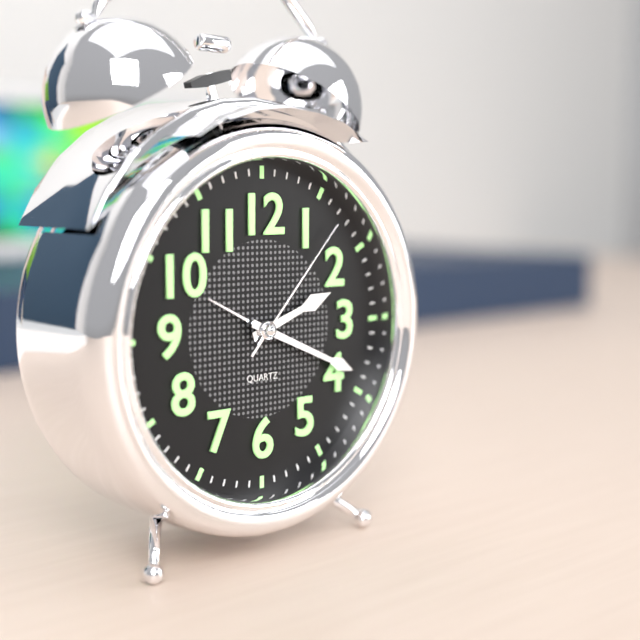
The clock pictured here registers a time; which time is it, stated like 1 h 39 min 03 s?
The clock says 2 h 19 min 07 s
